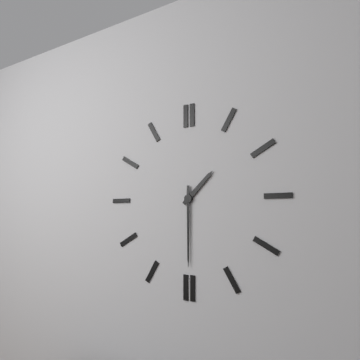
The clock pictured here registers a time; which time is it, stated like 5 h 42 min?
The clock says 1 h 30 min
